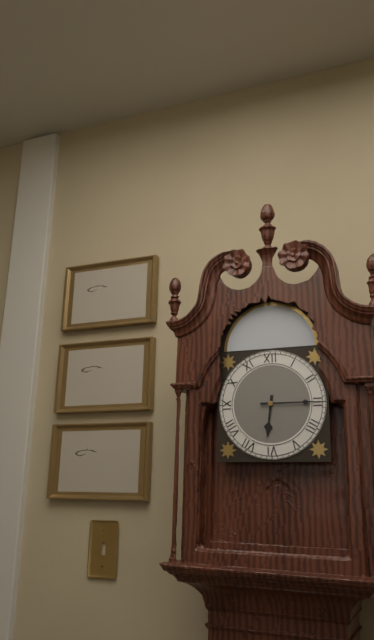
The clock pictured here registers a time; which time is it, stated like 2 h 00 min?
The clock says 6 h 15 min
